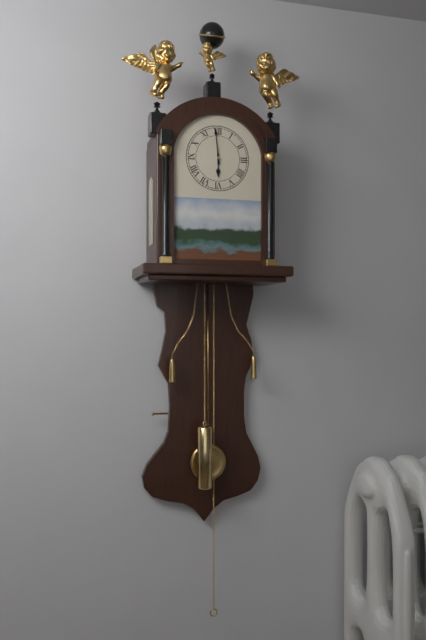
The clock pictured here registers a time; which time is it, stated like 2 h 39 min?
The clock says 5 h 59 min
